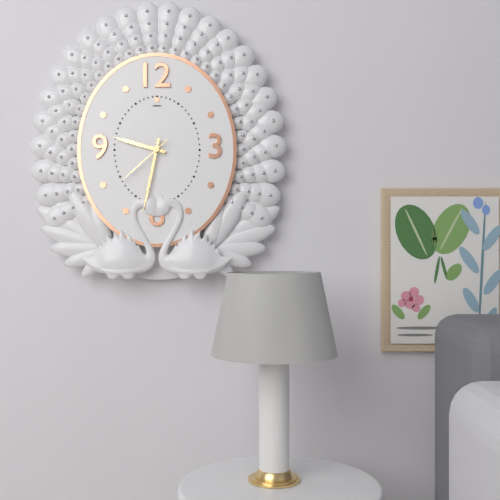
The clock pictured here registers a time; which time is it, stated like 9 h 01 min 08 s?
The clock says 9 h 32 min 38 s
